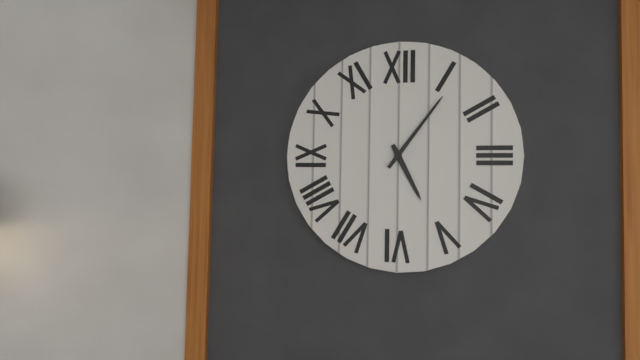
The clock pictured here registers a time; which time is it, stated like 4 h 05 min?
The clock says 5 h 06 min
